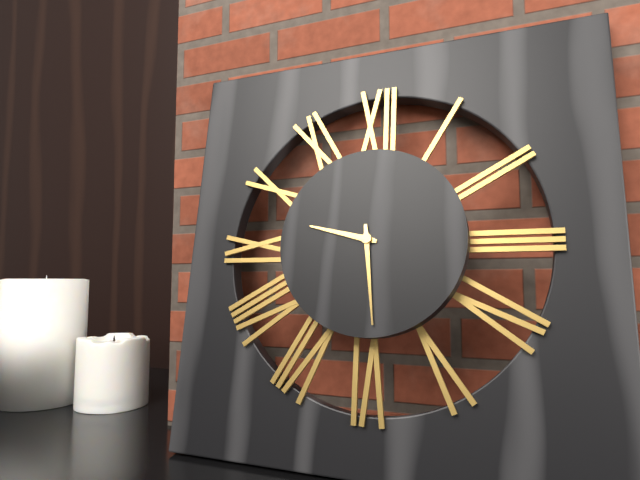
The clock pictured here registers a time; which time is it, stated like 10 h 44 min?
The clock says 9 h 29 min
